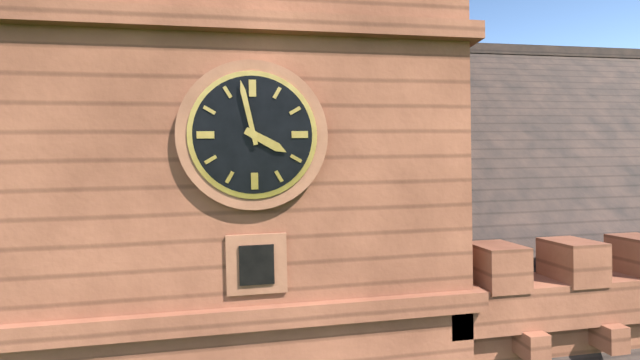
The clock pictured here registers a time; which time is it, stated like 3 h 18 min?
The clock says 3 h 58 min
